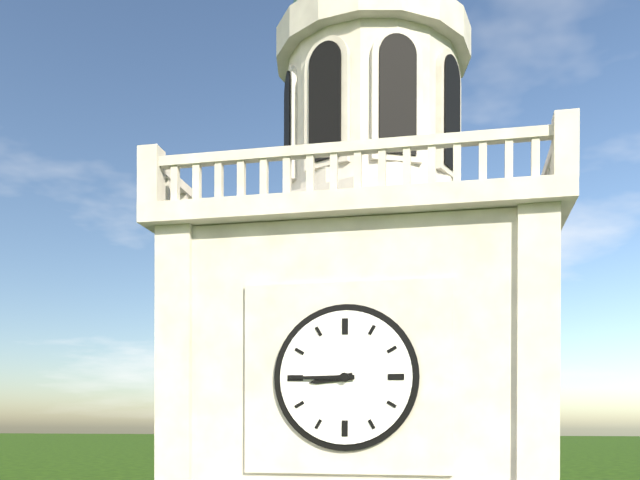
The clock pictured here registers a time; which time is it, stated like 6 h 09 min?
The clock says 8 h 45 min
